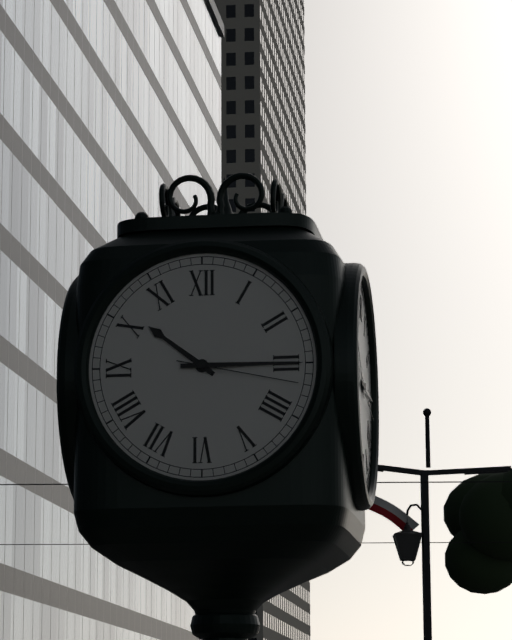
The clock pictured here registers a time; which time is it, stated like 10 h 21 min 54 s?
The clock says 10 h 15 min 17 s
